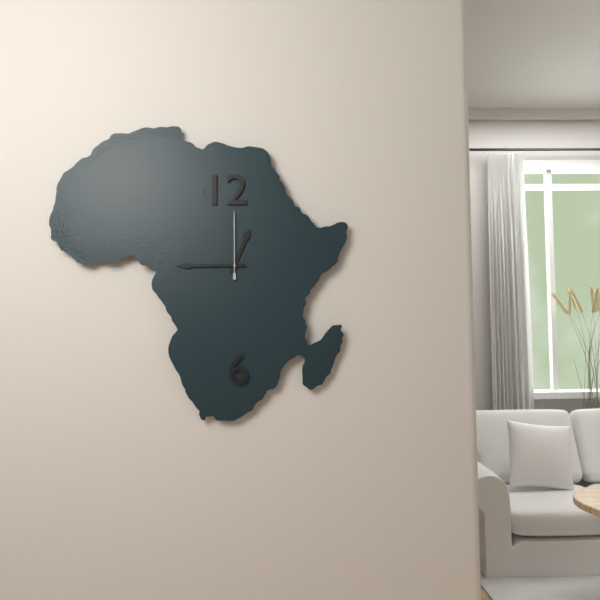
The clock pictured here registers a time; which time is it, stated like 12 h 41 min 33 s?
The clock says 12 h 45 min 00 s
